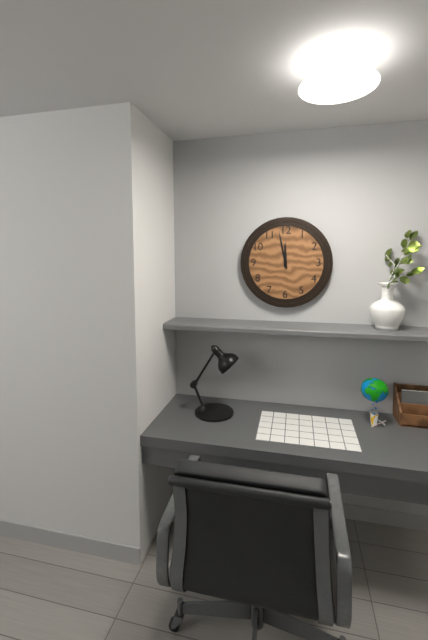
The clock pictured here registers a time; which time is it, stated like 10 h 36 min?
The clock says 11 h 58 min
